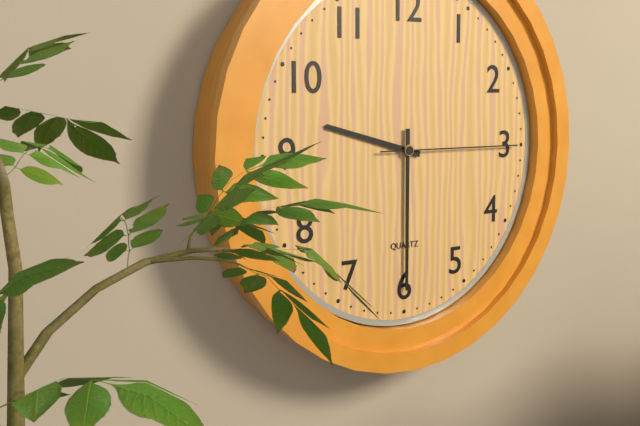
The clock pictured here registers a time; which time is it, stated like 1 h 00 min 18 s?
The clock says 9 h 30 min 15 s
